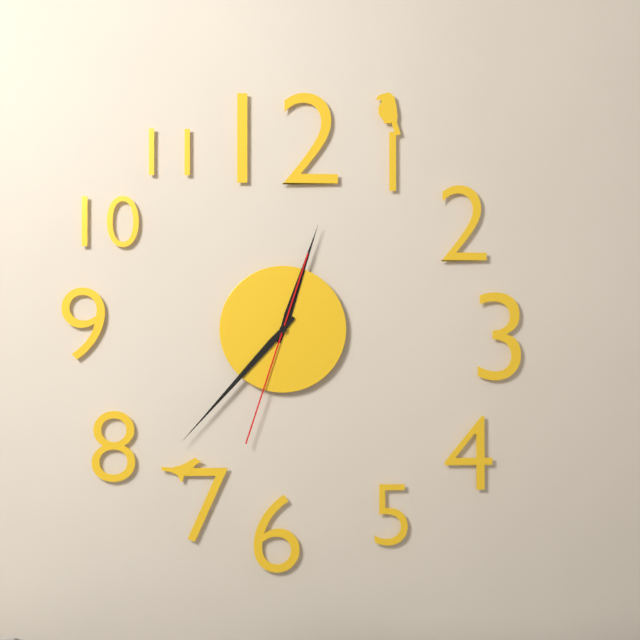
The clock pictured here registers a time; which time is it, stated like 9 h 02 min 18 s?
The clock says 12 h 37 min 33 s
